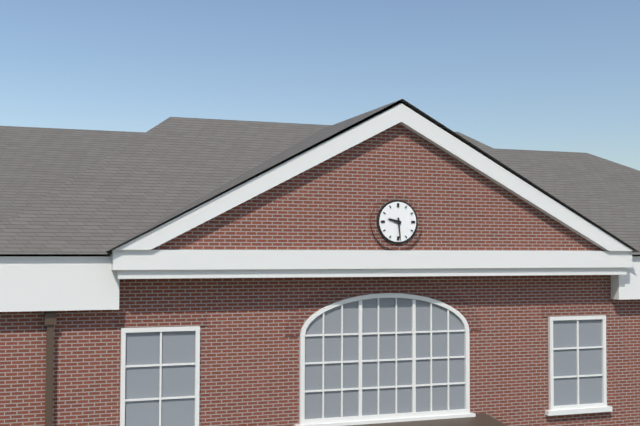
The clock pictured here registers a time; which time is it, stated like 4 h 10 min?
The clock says 9 h 29 min
